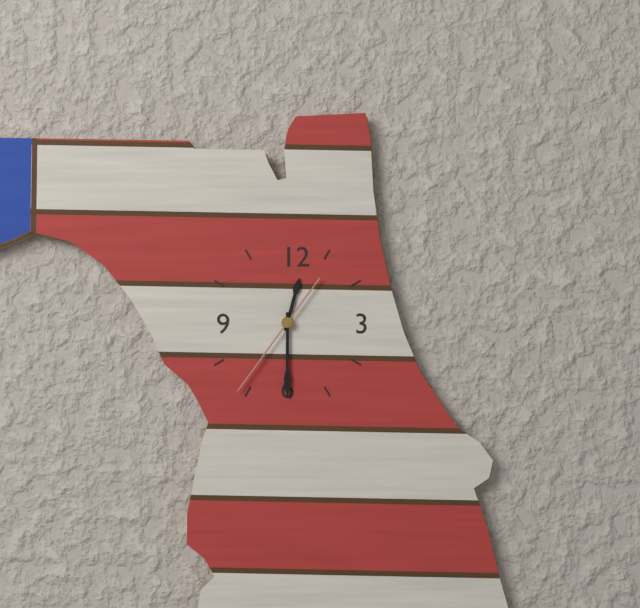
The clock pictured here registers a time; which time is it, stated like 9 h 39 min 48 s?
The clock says 12 h 30 min 36 s
